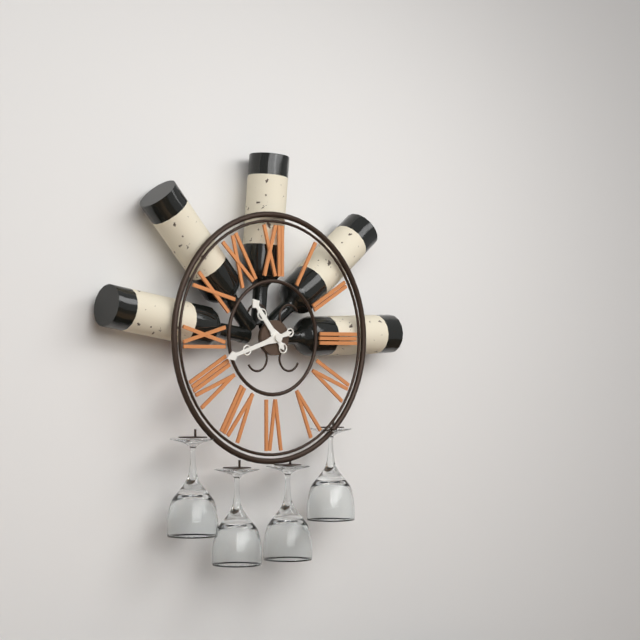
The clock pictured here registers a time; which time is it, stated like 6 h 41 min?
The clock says 10 h 42 min
